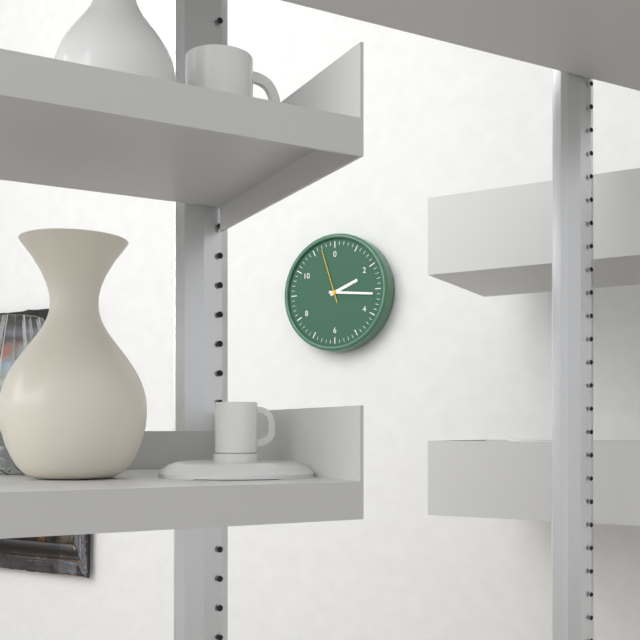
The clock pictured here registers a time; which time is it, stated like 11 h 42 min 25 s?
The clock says 2 h 16 min 57 s
